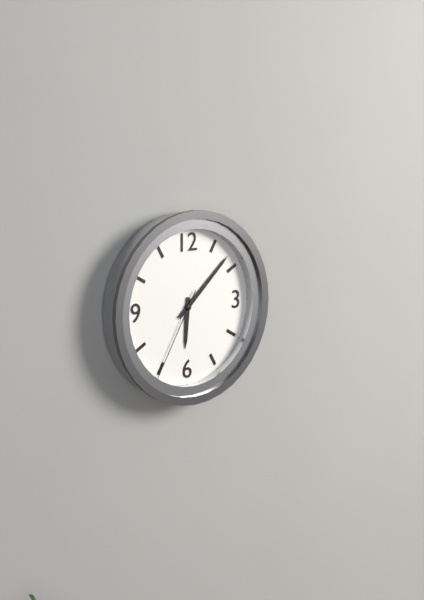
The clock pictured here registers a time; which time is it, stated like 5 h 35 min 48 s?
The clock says 6 h 08 min 35 s
